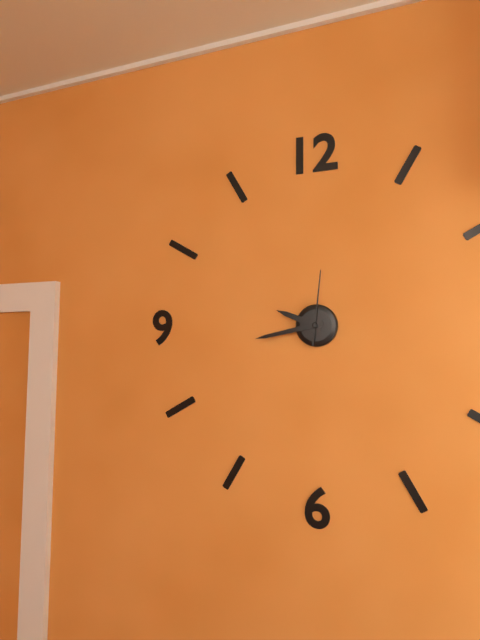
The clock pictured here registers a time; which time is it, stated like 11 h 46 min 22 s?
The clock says 9 h 43 min 01 s
